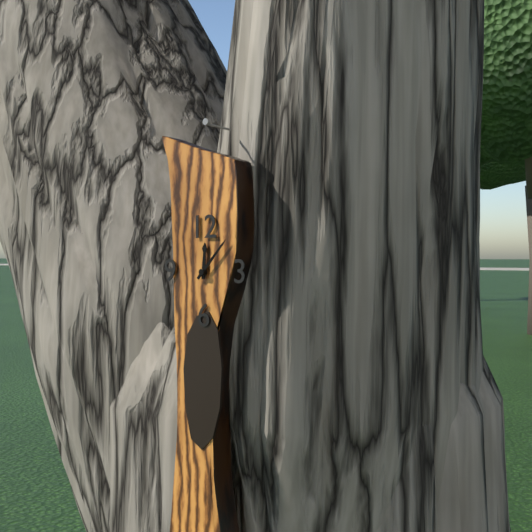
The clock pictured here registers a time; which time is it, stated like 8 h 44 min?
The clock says 12 h 07 min
